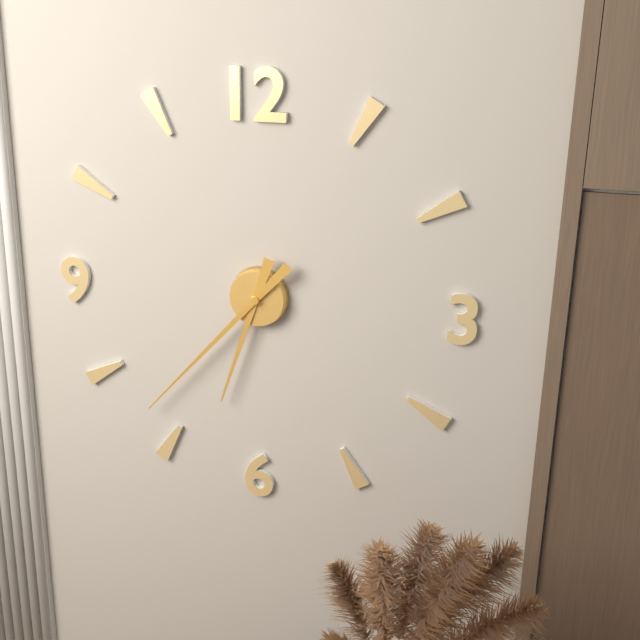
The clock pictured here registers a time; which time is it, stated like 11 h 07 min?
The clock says 6 h 37 min
